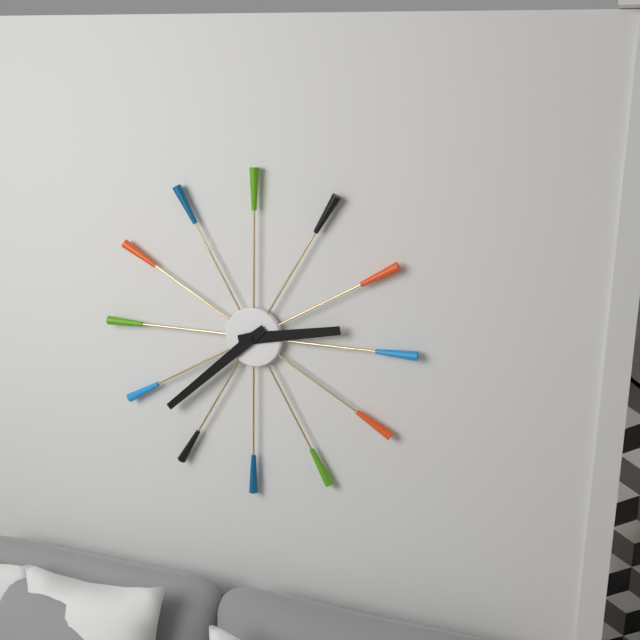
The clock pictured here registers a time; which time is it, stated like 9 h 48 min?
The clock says 2 h 38 min
